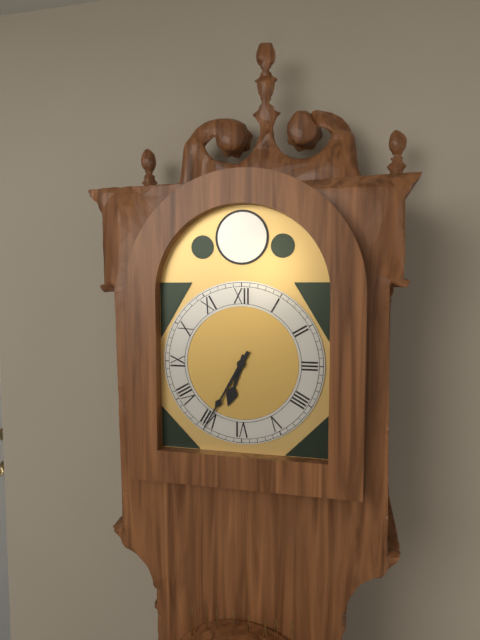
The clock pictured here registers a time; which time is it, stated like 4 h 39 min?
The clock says 6 h 35 min
